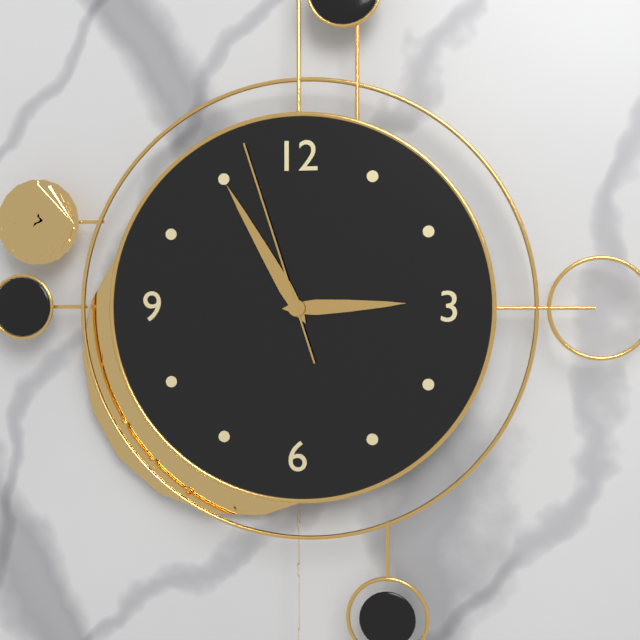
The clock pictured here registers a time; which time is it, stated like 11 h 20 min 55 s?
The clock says 2 h 55 min 57 s
